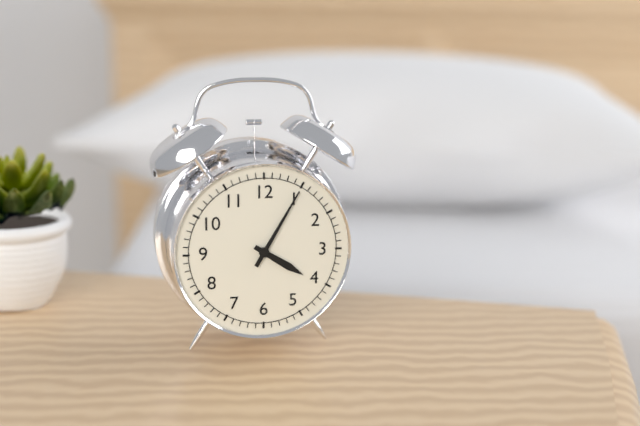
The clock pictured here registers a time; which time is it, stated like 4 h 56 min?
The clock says 4 h 05 min
